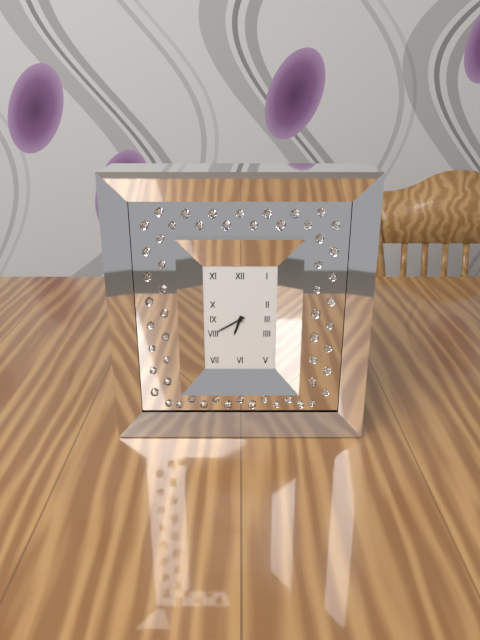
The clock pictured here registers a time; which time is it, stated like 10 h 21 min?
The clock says 6 h 40 min
